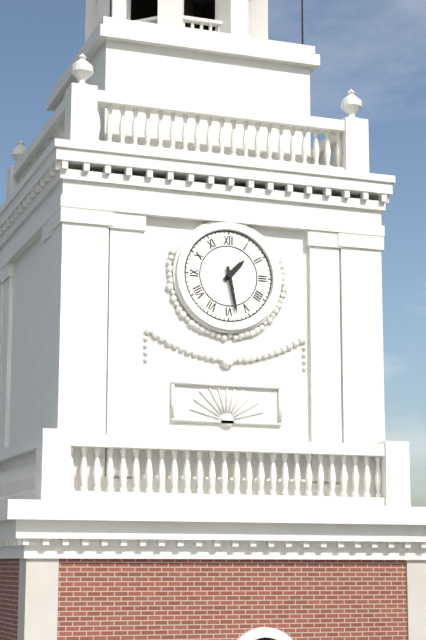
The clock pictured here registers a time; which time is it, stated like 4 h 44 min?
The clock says 1 h 28 min
